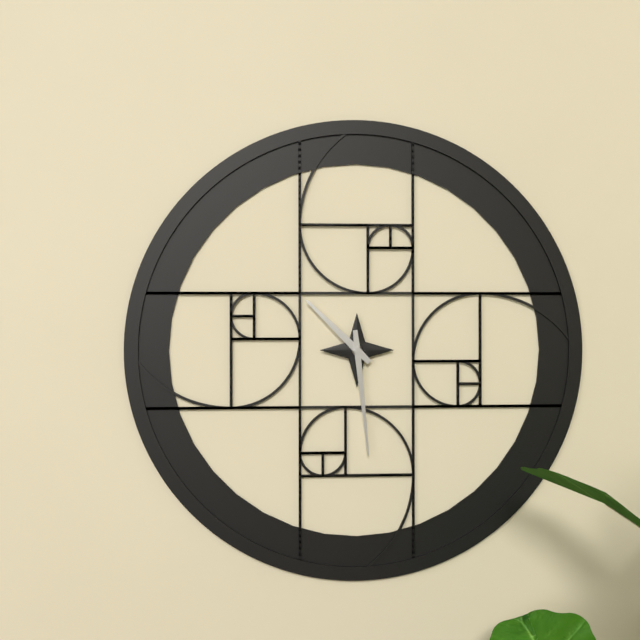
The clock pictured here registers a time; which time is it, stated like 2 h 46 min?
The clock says 10 h 29 min
